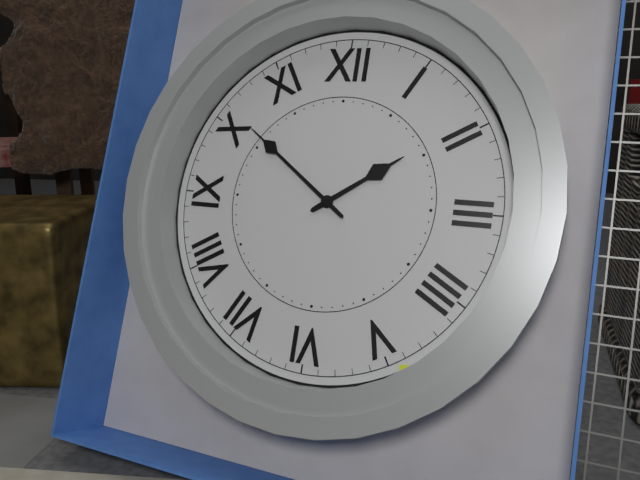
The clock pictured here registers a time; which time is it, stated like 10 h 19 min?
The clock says 1 h 51 min
